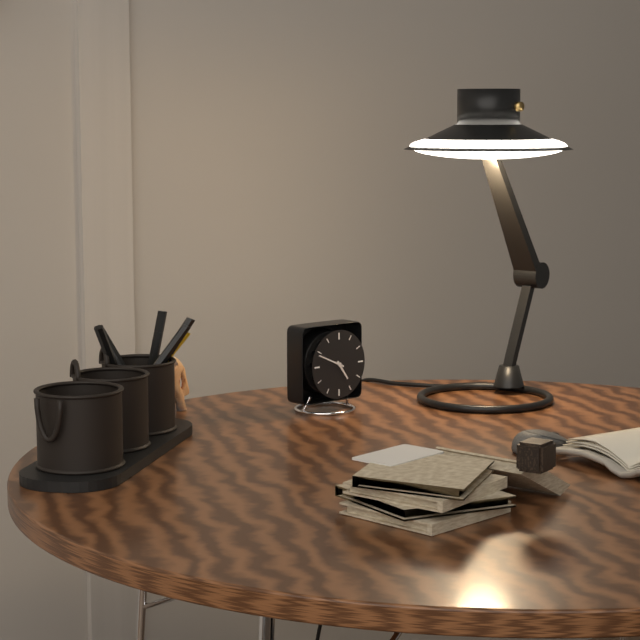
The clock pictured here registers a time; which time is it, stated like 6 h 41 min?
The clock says 4 h 49 min
